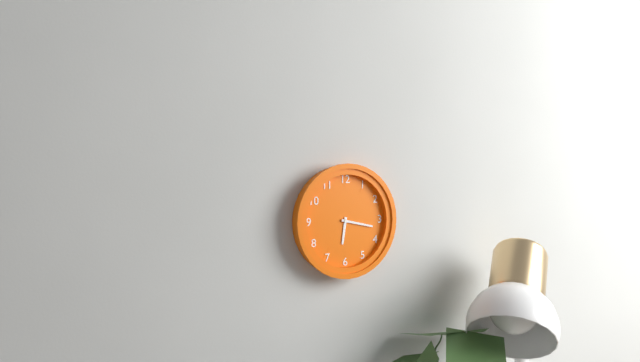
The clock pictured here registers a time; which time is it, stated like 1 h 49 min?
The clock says 6 h 17 min
